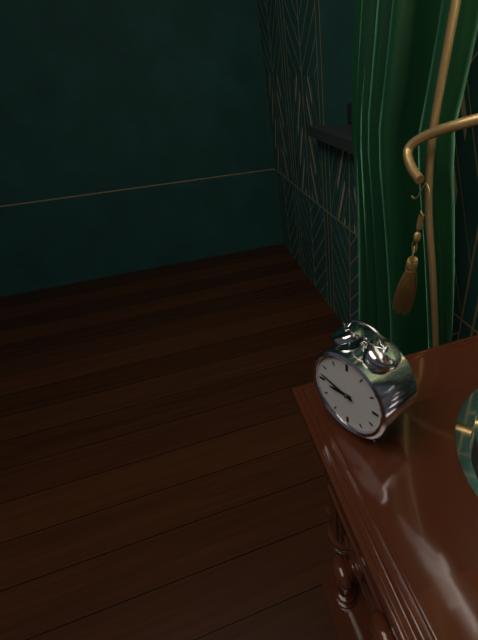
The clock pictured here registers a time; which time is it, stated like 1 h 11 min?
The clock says 8 h 47 min
